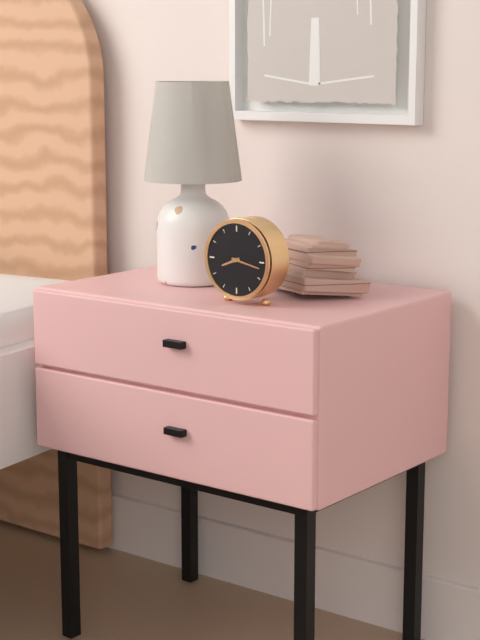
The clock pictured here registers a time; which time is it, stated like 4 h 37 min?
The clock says 8 h 17 min
